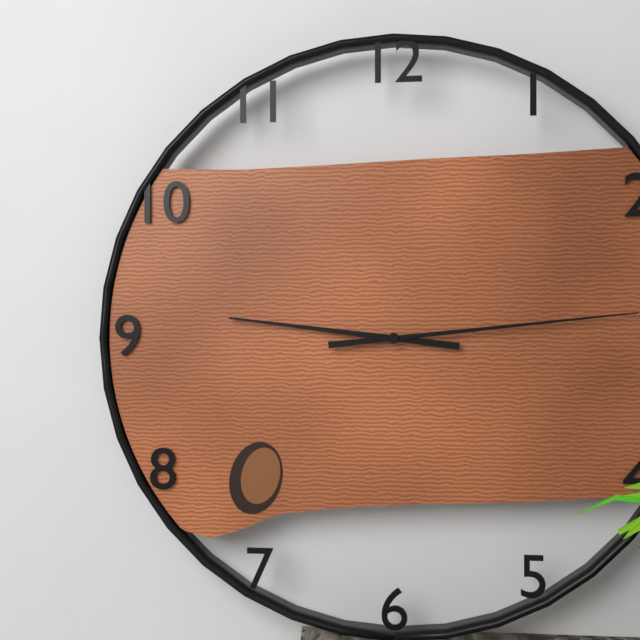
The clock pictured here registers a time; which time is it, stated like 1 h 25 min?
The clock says 9 h 14 min
